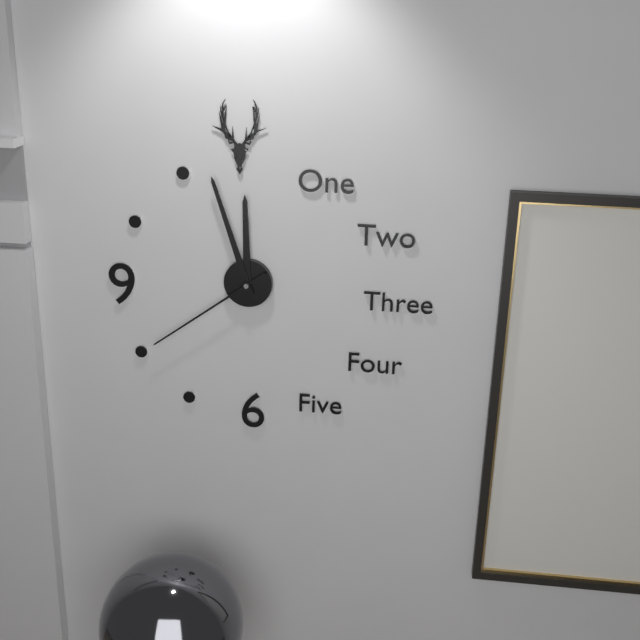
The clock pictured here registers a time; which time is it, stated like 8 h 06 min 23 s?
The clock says 11 h 57 min 39 s
